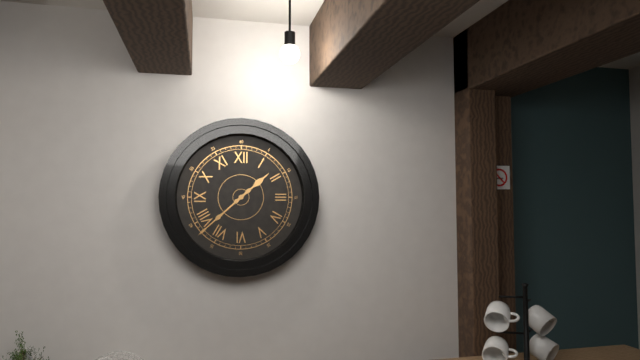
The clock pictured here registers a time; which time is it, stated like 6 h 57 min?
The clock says 1 h 38 min
